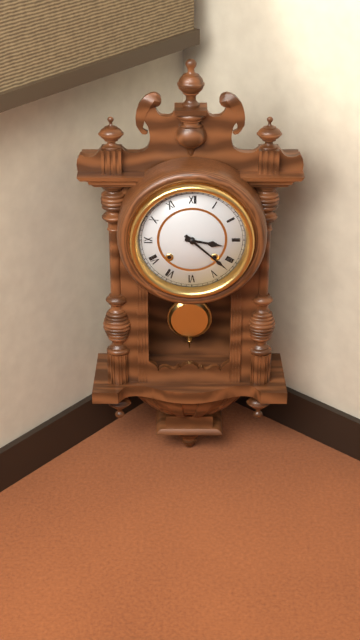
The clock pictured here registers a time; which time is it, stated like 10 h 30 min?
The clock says 3 h 22 min
